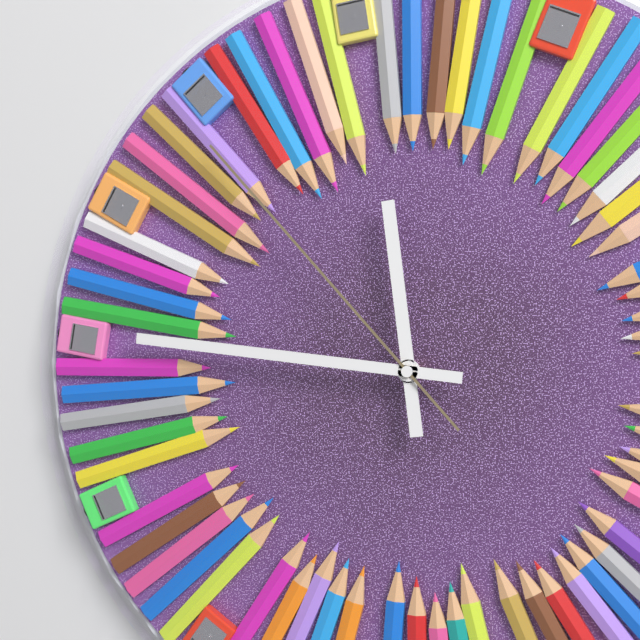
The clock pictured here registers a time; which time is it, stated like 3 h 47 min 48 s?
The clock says 11 h 46 min 53 s
